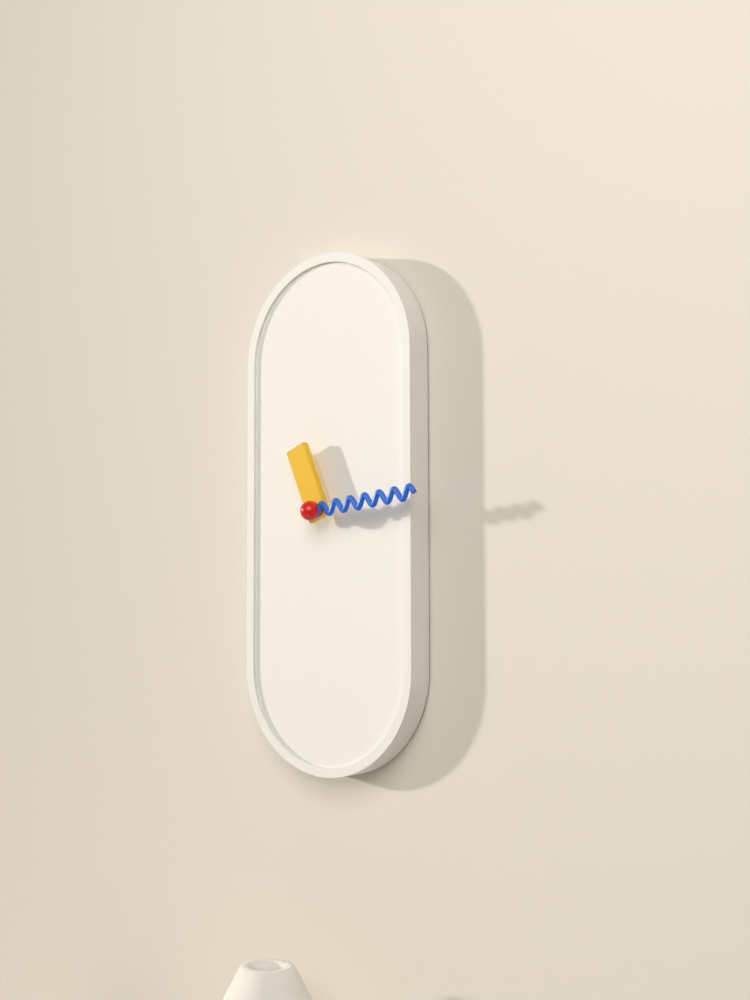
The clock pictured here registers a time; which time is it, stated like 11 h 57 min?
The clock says 11 h 14 min
